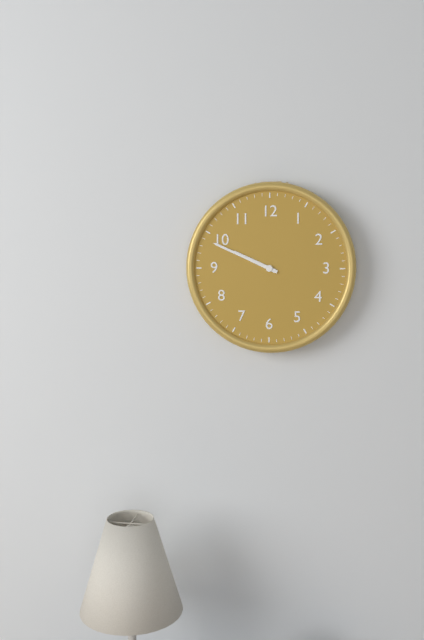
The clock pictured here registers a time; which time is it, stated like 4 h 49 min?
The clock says 9 h 49 min
